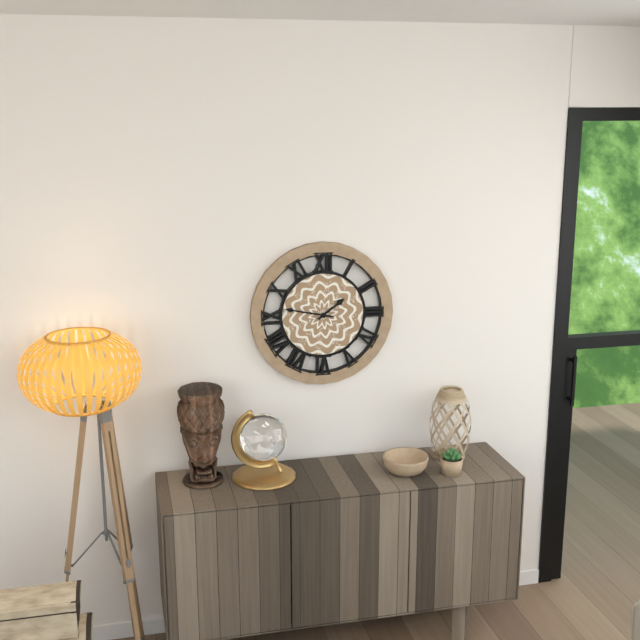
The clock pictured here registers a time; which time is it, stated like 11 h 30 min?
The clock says 1 h 47 min
